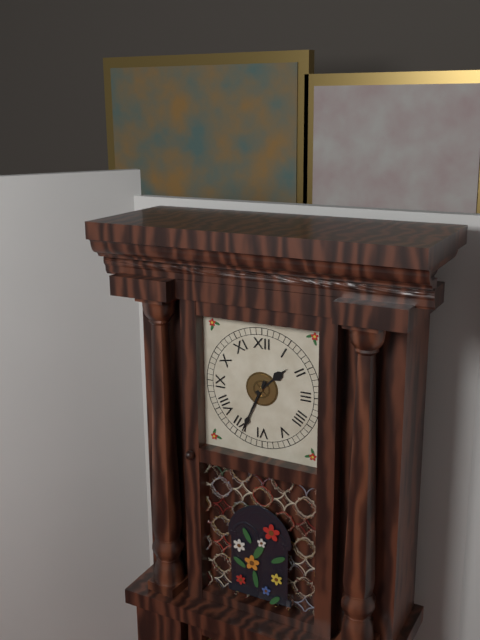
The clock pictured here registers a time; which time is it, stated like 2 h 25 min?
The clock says 1 h 34 min
